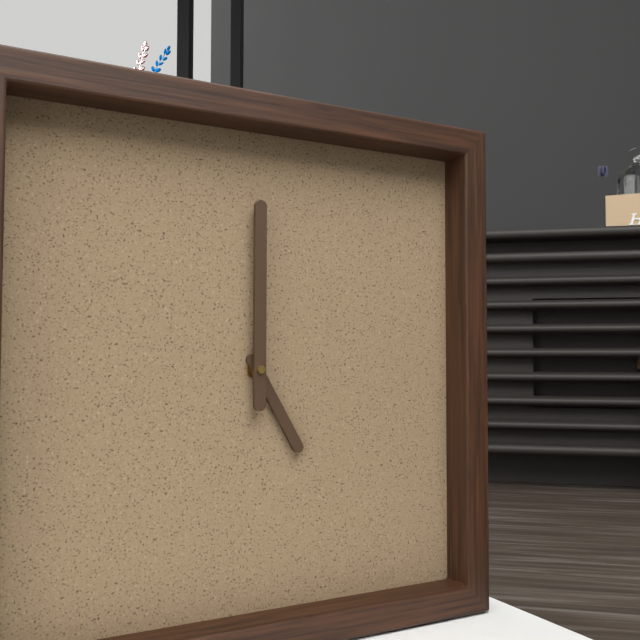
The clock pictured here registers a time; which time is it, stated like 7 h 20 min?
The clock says 5 h 00 min
